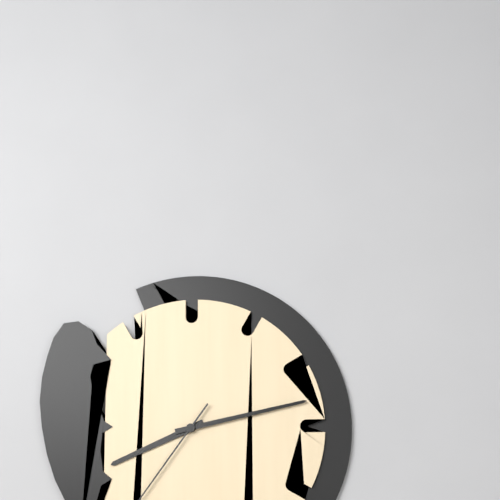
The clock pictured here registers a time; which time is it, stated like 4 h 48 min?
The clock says 8 h 13 min
